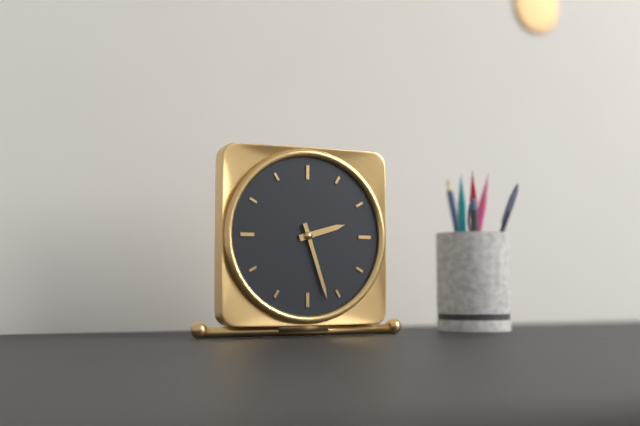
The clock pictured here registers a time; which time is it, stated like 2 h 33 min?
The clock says 2 h 27 min
